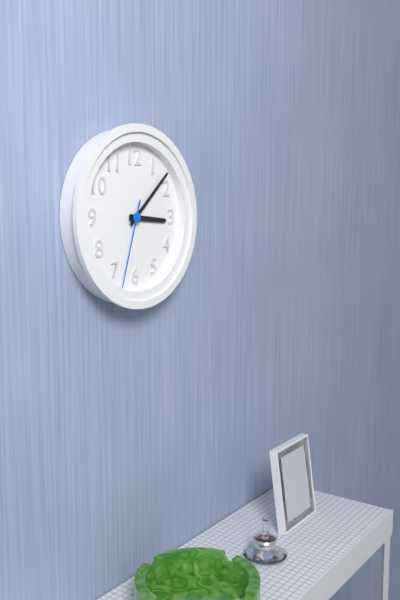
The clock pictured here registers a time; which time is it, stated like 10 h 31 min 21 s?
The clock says 3 h 08 min 33 s
